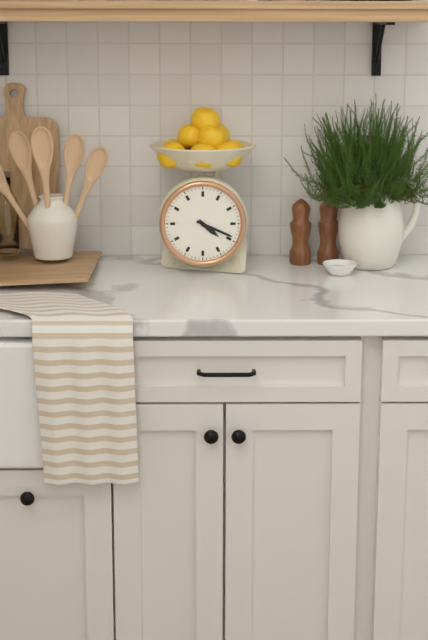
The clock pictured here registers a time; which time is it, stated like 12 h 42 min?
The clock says 4 h 19 min
